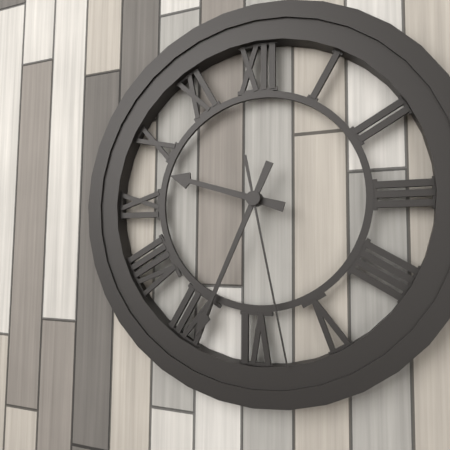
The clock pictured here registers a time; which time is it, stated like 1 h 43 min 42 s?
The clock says 9 h 34 min 28 s
